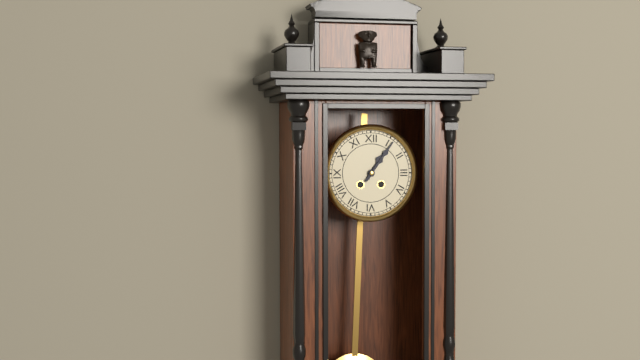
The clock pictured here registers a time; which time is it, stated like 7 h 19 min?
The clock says 1 h 06 min
